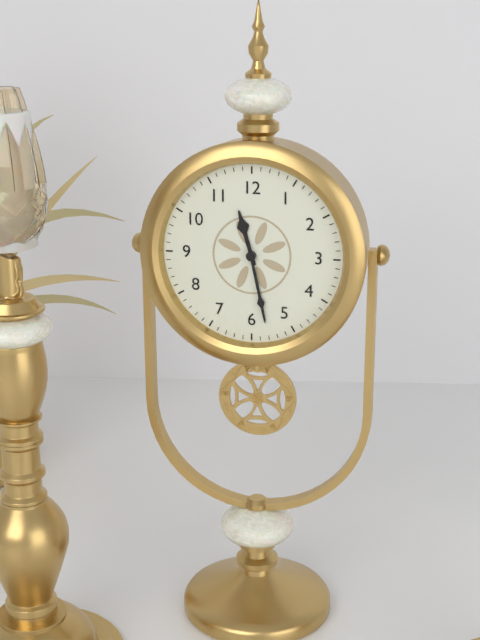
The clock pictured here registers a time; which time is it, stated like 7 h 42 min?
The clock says 11 h 28 min
